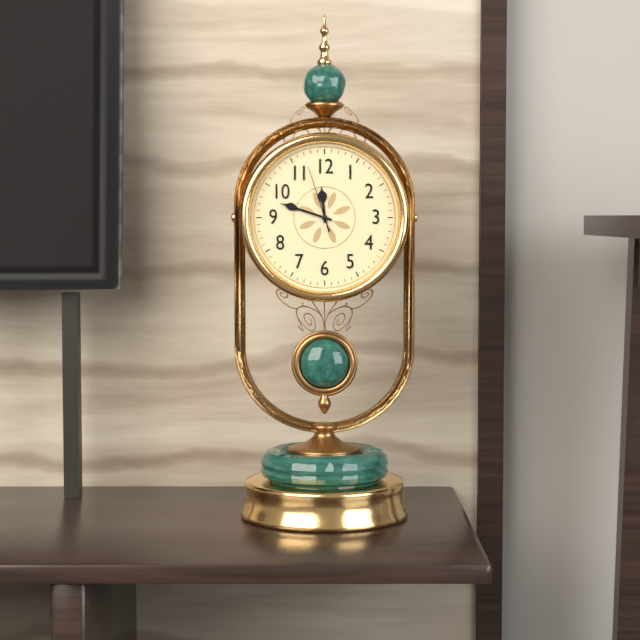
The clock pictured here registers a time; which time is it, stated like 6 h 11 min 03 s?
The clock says 11 h 48 min 57 s
